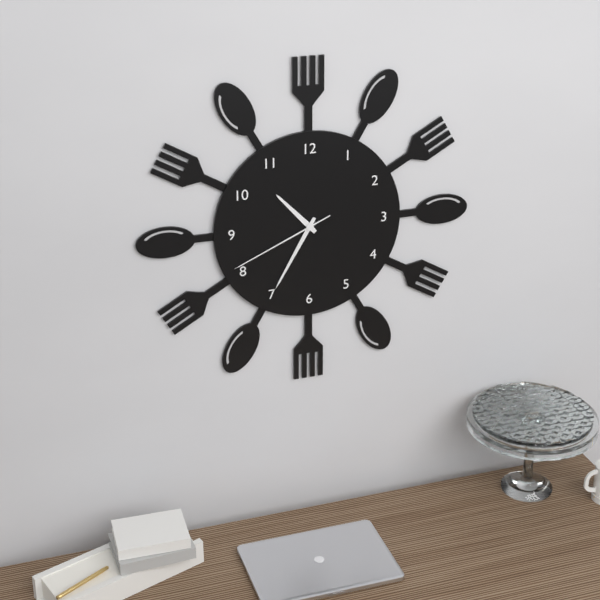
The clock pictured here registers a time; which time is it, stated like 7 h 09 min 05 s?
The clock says 10 h 35 min 41 s
